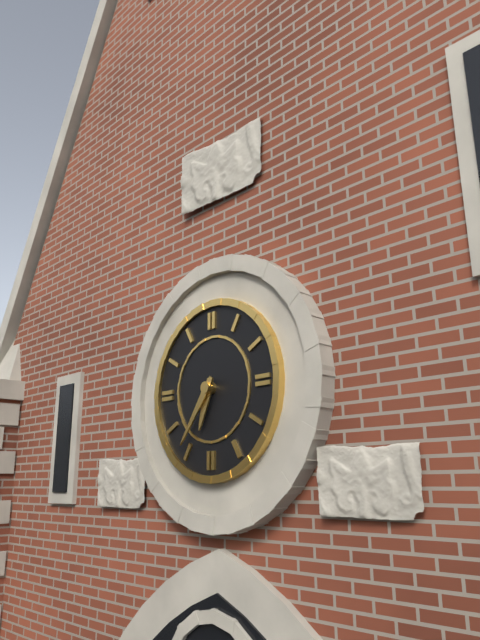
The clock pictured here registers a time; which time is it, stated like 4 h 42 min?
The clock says 6 h 36 min
